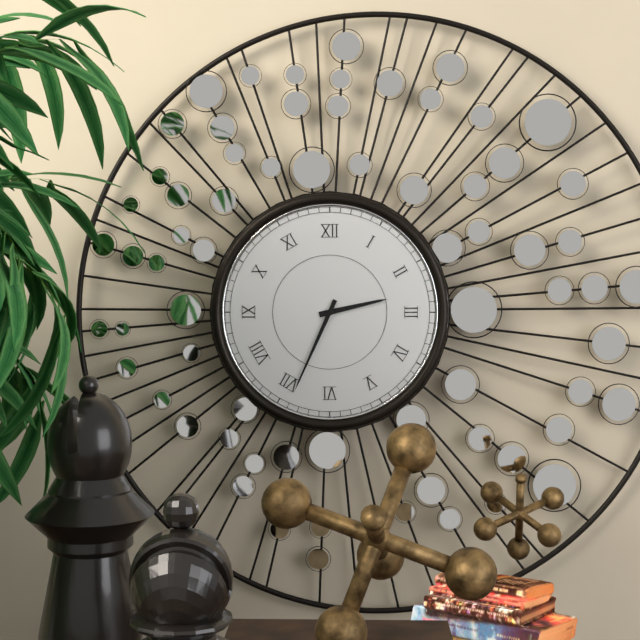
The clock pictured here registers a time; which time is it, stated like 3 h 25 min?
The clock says 2 h 34 min
